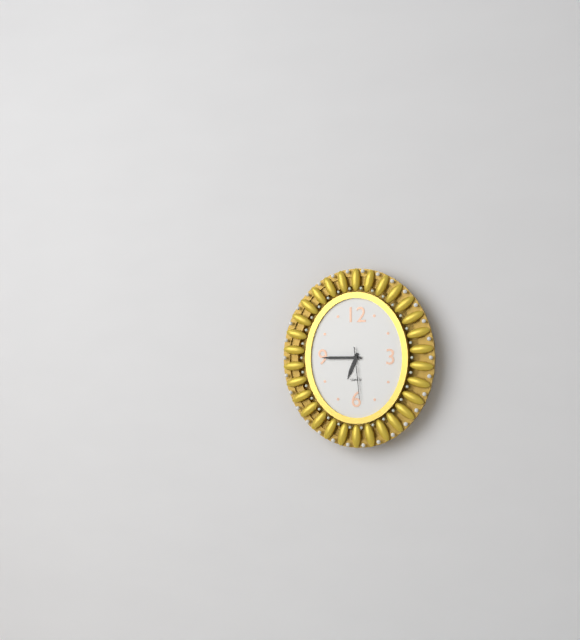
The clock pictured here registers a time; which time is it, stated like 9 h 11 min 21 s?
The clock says 6 h 45 min 29 s
